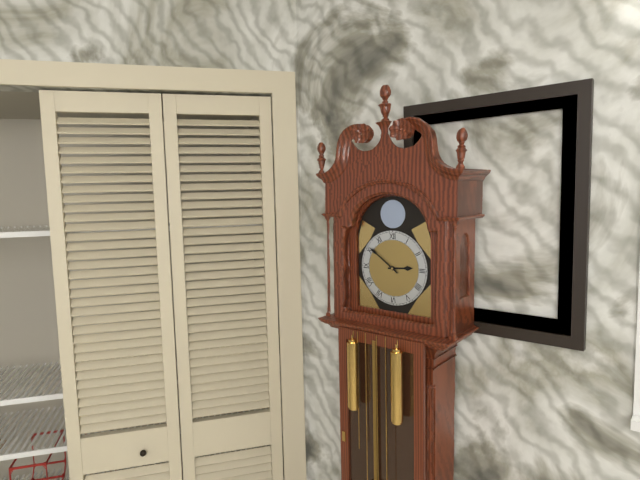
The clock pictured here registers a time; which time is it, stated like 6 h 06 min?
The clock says 2 h 51 min
